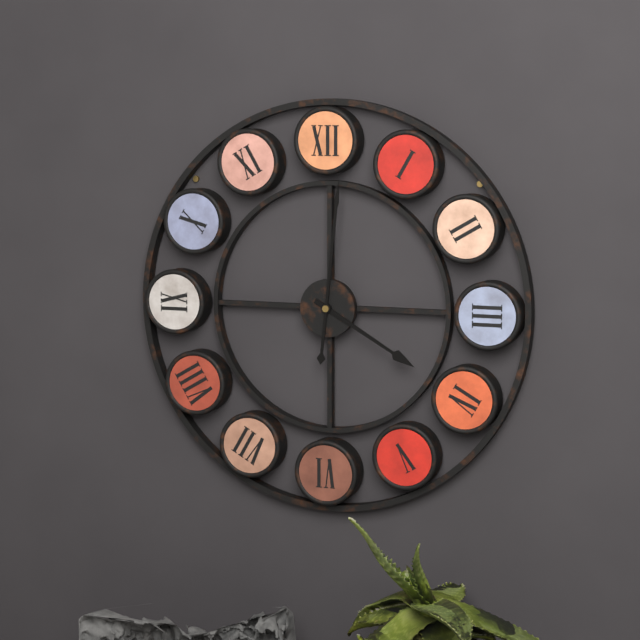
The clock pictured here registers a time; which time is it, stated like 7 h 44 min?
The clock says 4 h 01 min
